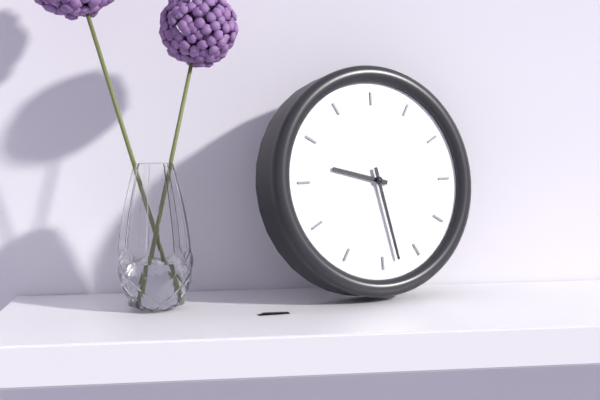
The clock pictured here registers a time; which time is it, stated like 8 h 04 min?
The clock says 9 h 28 min
